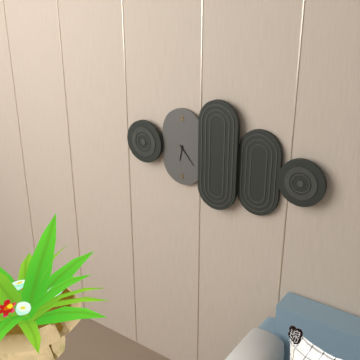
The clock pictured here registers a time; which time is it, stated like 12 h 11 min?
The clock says 6 h 23 min
